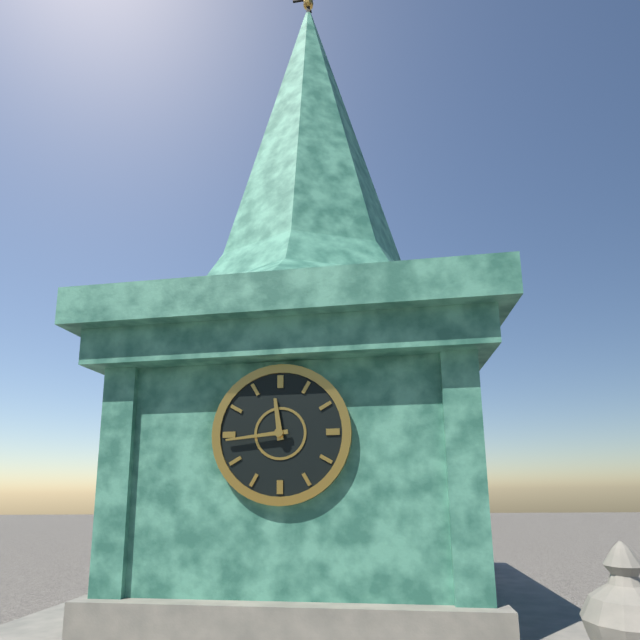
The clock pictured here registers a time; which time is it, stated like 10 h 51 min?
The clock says 11 h 44 min
